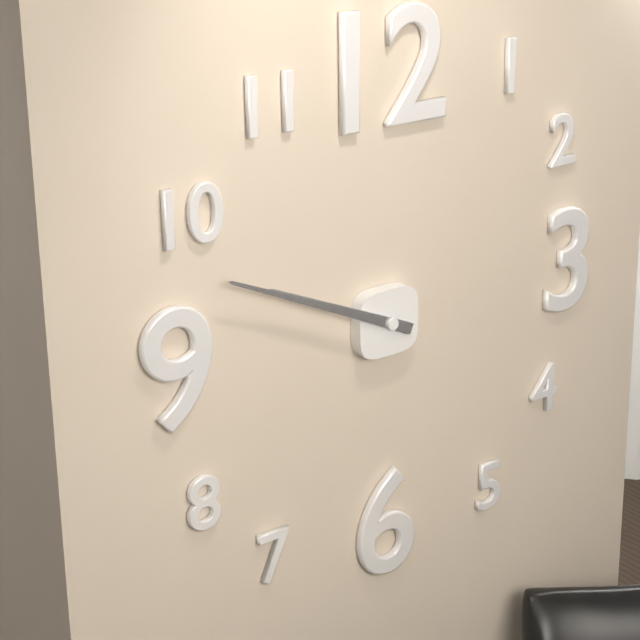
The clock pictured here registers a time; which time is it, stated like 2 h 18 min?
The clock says 9 h 49 min
